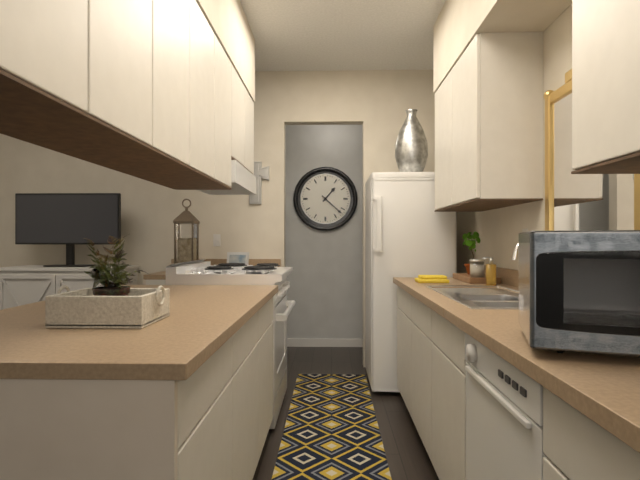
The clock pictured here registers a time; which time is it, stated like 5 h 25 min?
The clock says 1 h 22 min
